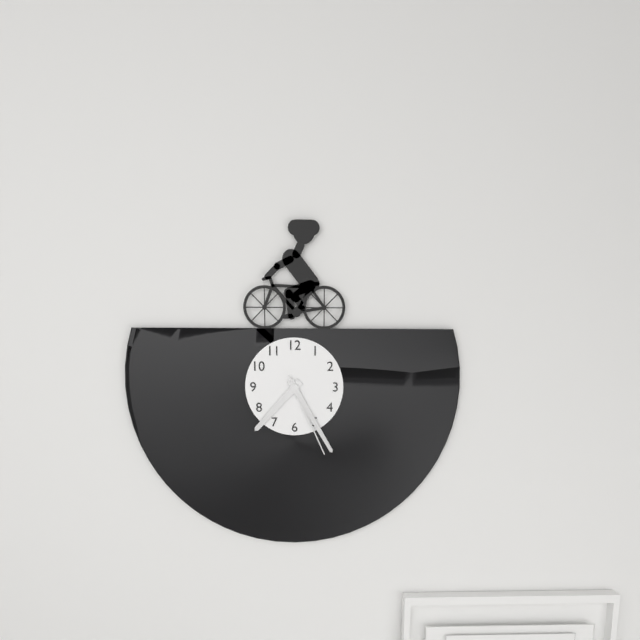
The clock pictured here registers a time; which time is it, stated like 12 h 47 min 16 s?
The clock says 7 h 25 min 26 s
